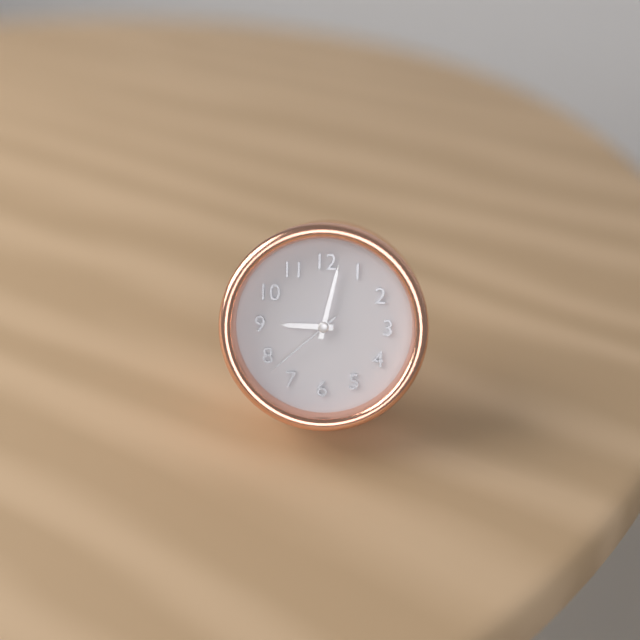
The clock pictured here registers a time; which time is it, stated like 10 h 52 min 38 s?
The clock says 9 h 02 min 38 s
